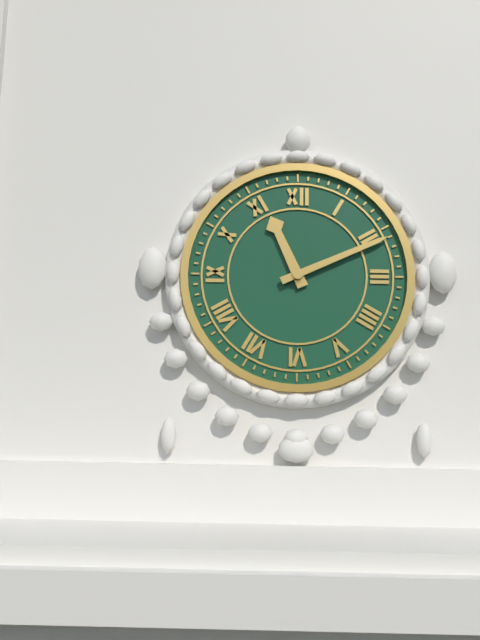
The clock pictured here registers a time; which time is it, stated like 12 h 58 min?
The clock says 11 h 11 min
